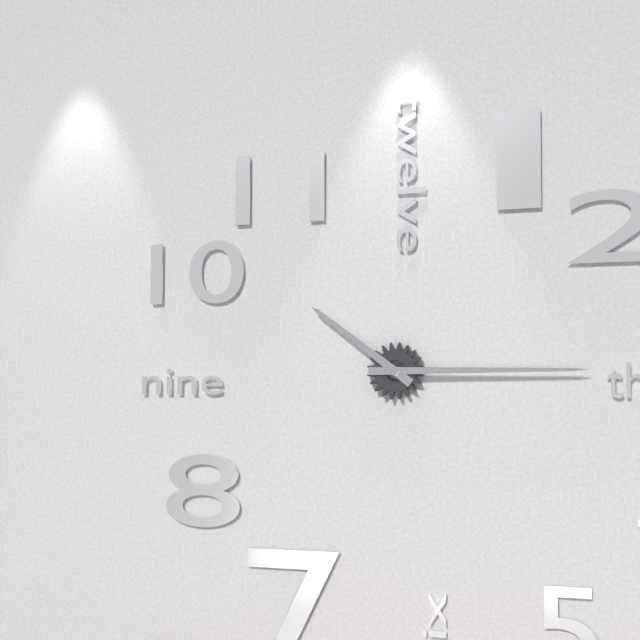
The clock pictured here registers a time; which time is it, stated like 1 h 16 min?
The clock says 10 h 15 min
